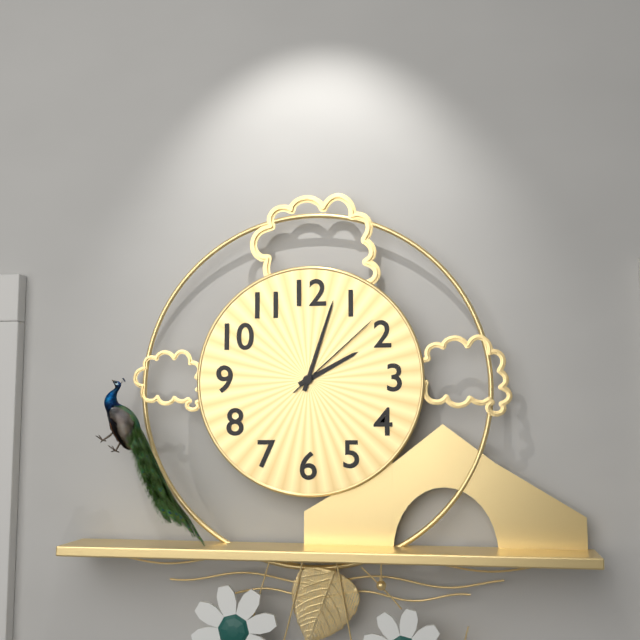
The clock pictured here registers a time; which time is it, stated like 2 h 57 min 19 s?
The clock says 2 h 03 min 08 s
